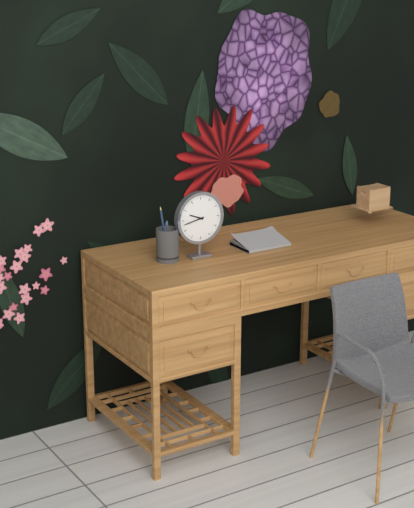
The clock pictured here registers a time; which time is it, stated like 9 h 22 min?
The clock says 9 h 43 min
